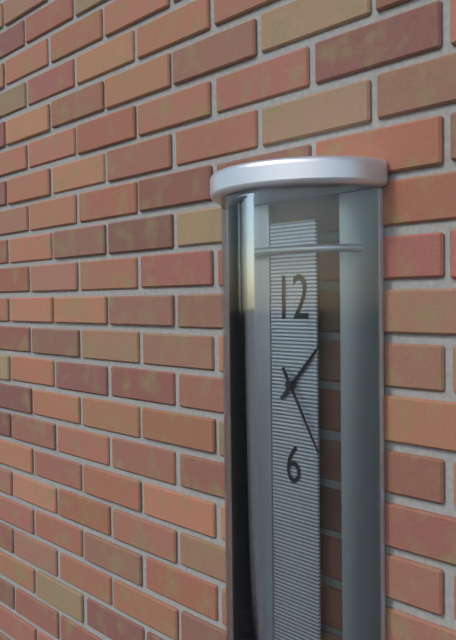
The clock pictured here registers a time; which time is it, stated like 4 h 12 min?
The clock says 1 h 25 min
